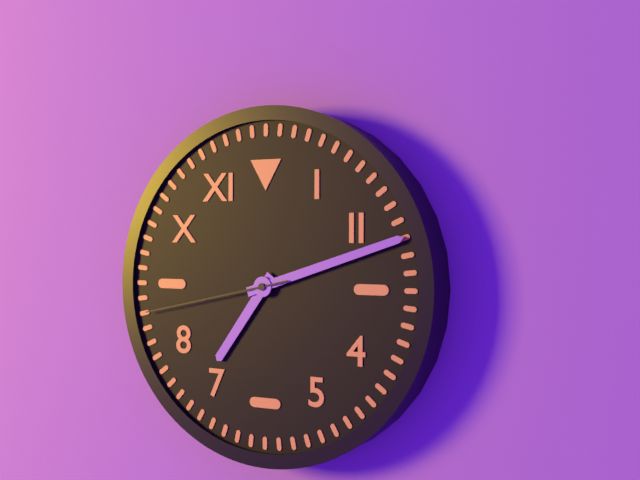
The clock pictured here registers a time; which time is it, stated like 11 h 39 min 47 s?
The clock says 7 h 12 min 43 s
